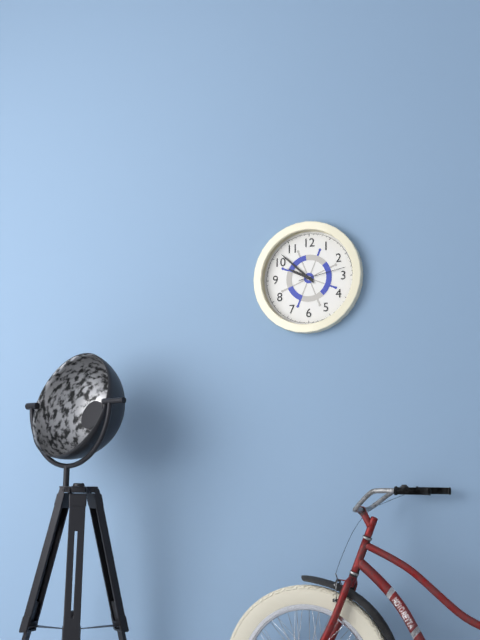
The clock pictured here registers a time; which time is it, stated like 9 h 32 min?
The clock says 9 h 52 min
